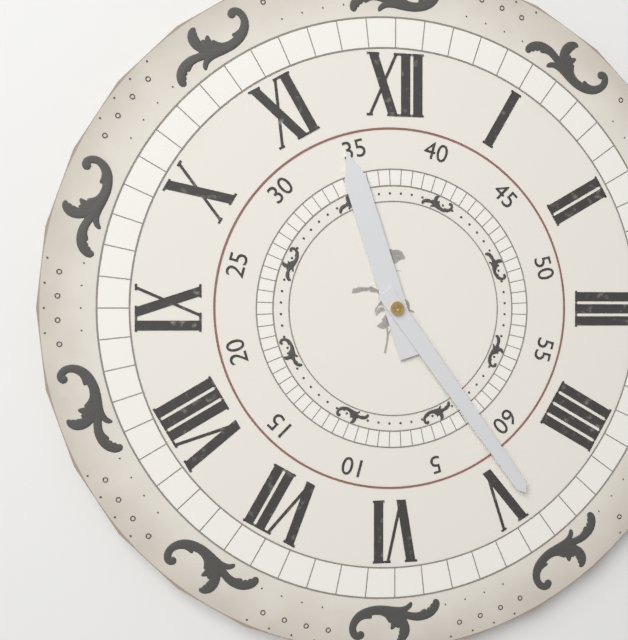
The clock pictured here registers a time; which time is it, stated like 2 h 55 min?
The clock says 11 h 24 min
